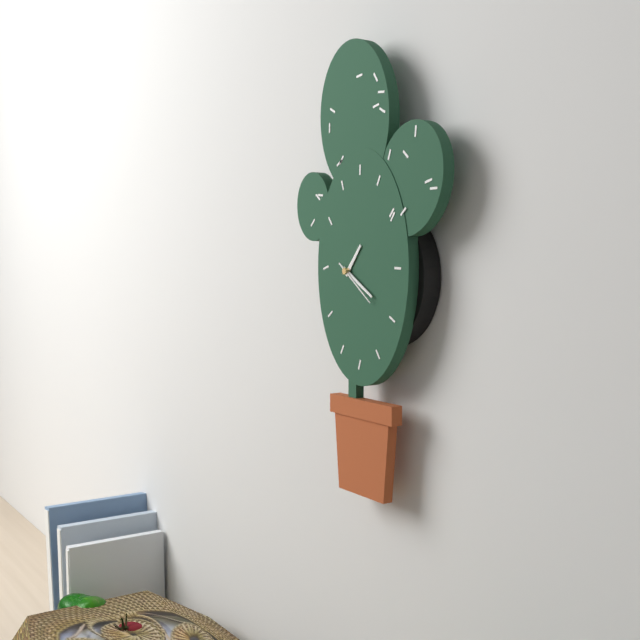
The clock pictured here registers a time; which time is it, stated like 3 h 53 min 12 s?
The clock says 1 h 20 min 21 s
